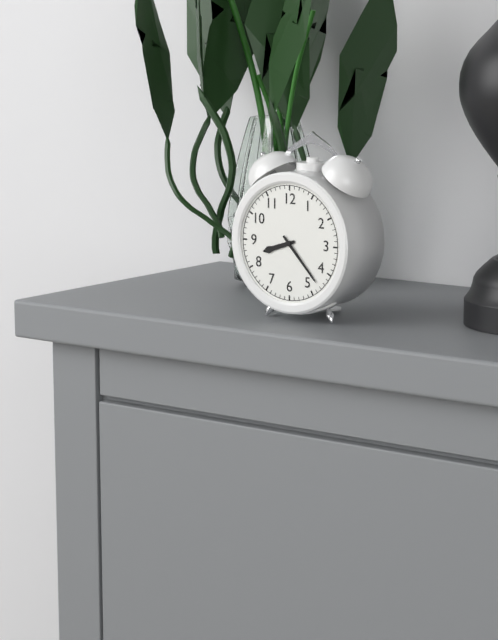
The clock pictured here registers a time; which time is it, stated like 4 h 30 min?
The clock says 8 h 23 min
